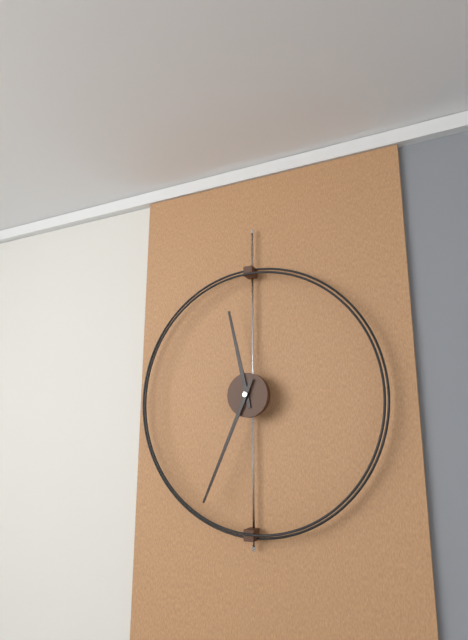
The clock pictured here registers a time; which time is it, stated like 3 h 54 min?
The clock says 11 h 34 min
